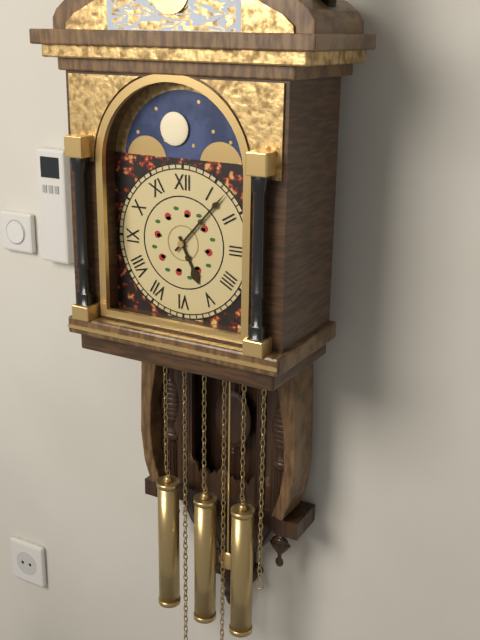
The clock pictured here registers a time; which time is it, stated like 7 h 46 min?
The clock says 5 h 07 min
